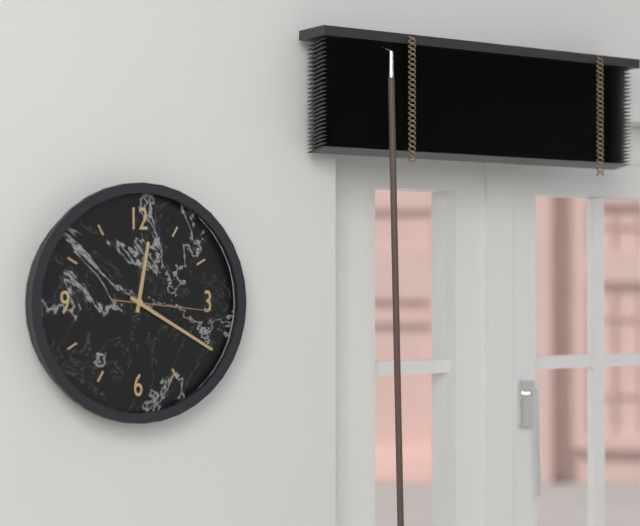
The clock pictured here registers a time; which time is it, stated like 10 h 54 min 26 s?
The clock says 12 h 20 min 16 s
